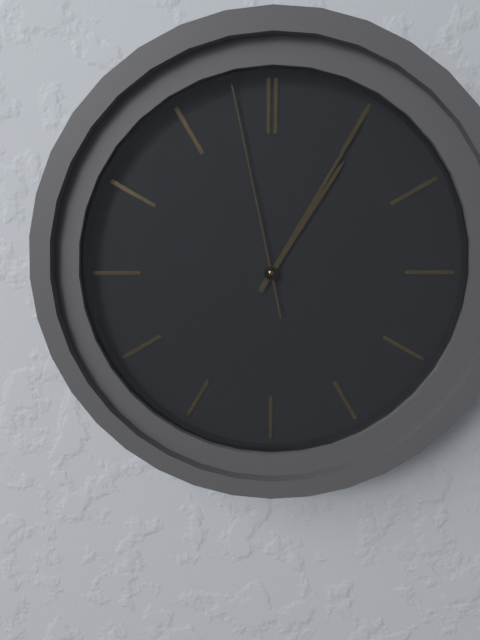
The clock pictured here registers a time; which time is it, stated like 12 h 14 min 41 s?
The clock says 1 h 05 min 58 s
